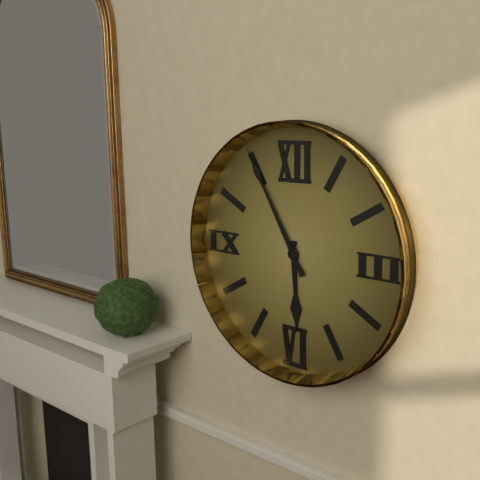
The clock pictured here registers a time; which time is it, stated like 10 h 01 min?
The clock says 5 h 55 min
